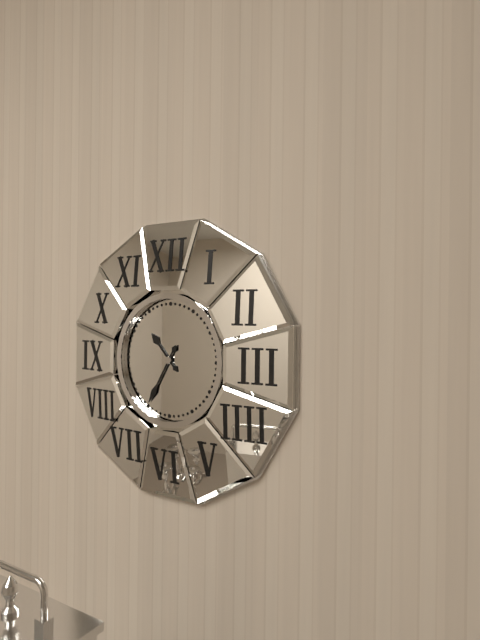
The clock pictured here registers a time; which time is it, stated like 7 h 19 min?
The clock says 10 h 35 min
